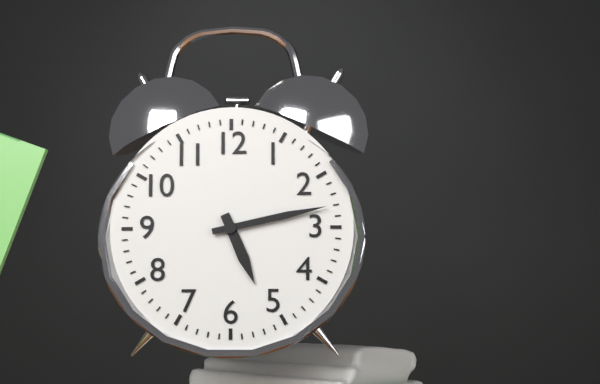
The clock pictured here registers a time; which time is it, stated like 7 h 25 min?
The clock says 5 h 13 min
